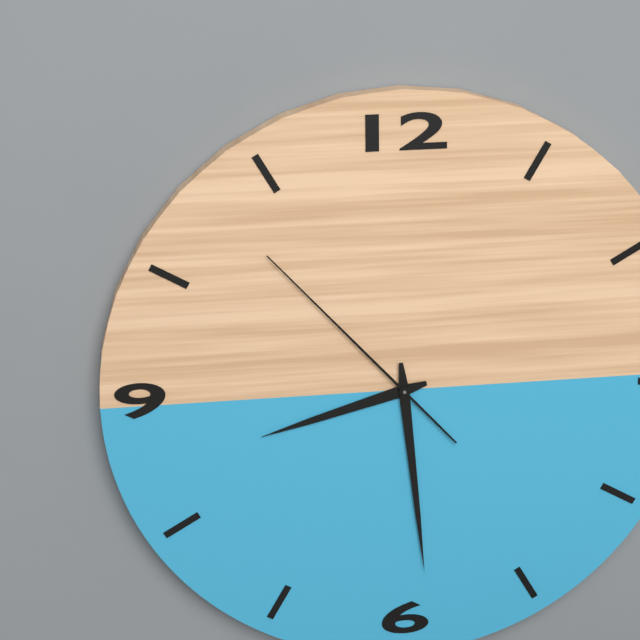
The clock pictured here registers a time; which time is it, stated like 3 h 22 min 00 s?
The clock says 8 h 29 min 53 s
